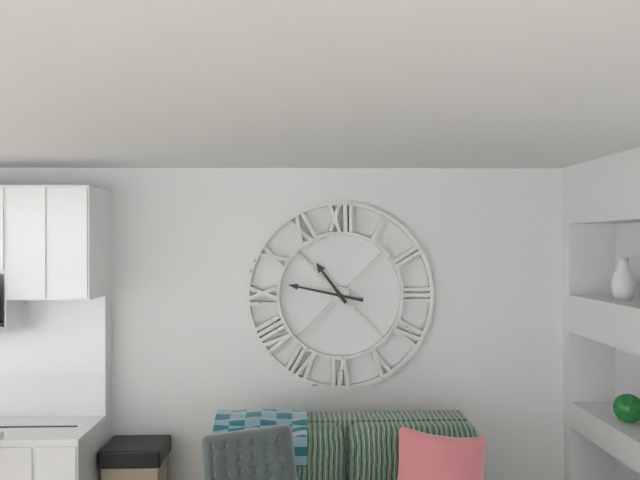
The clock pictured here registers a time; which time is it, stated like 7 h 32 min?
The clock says 10 h 47 min
